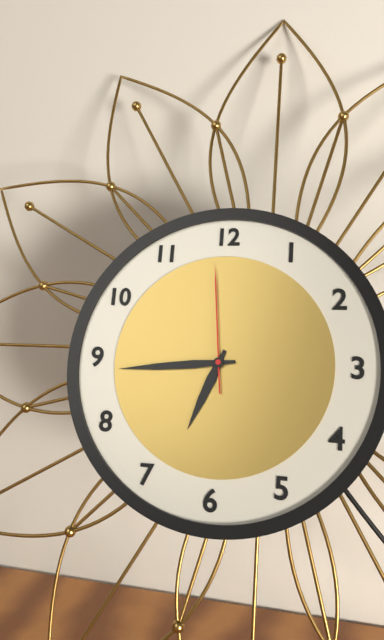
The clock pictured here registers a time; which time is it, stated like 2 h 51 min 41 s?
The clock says 6 h 44 min 59 s
